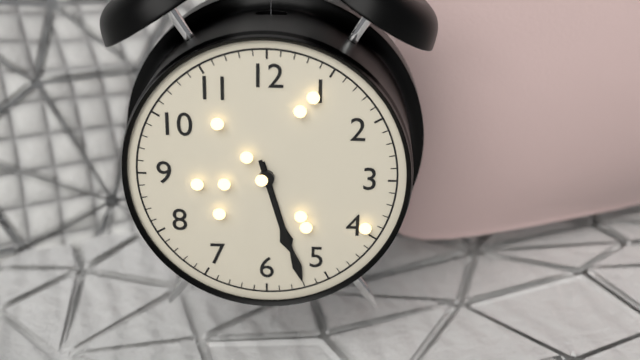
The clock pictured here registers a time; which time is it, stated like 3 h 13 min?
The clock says 5 h 27 min
